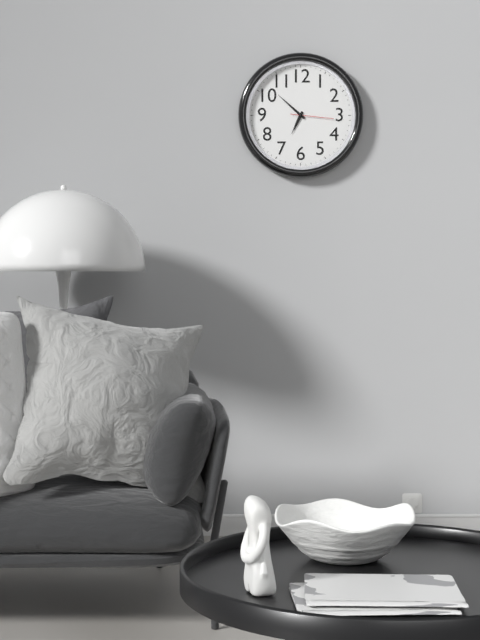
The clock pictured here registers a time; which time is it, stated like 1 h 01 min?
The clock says 6 h 52 min
